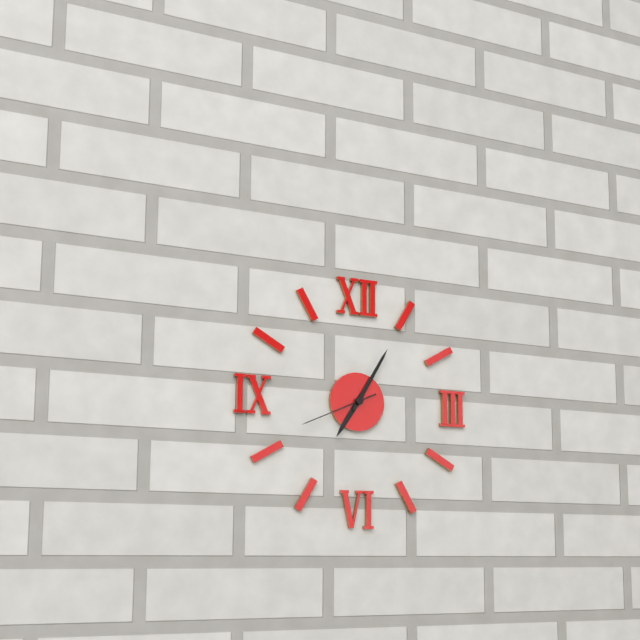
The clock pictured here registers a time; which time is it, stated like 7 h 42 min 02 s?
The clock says 7 h 05 min 41 s
